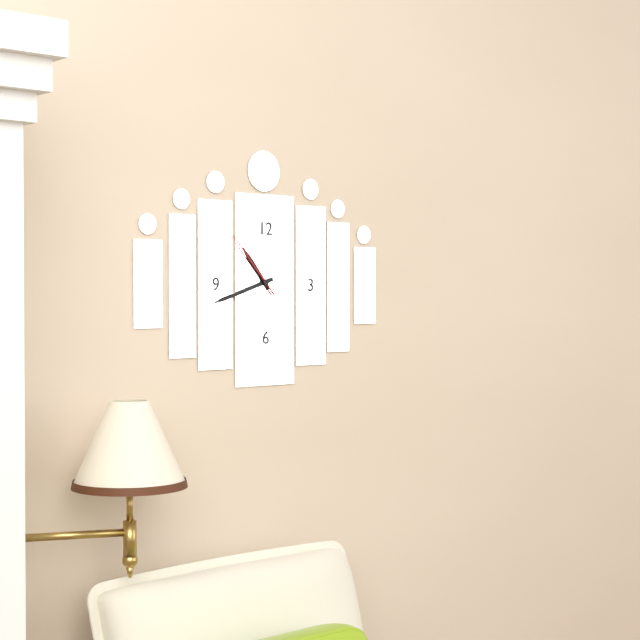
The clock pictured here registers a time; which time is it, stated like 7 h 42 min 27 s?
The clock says 10 h 42 min 53 s
